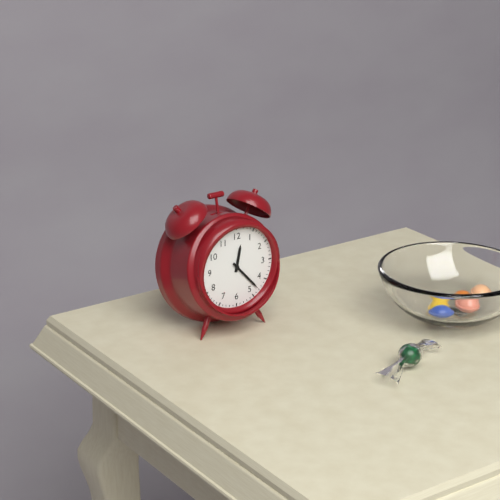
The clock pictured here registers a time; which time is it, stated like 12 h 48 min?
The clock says 12 h 23 min
